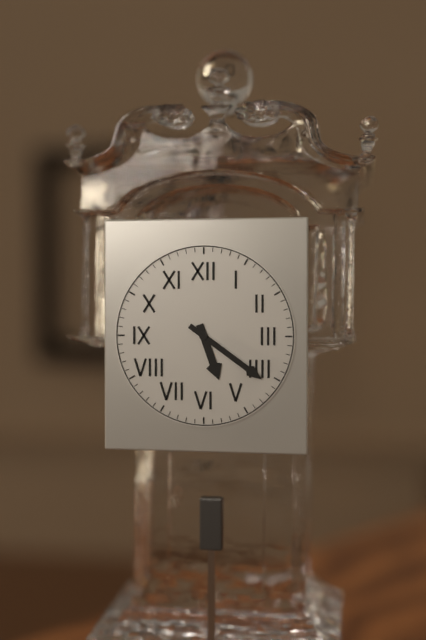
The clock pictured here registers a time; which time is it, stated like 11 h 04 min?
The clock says 5 h 21 min
